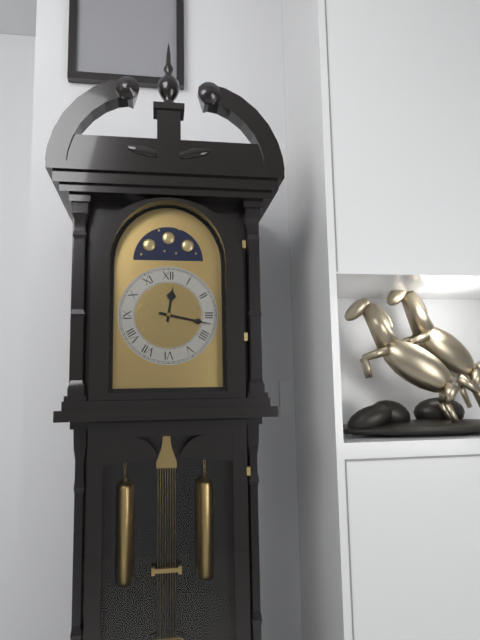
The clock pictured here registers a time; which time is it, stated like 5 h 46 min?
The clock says 12 h 17 min
